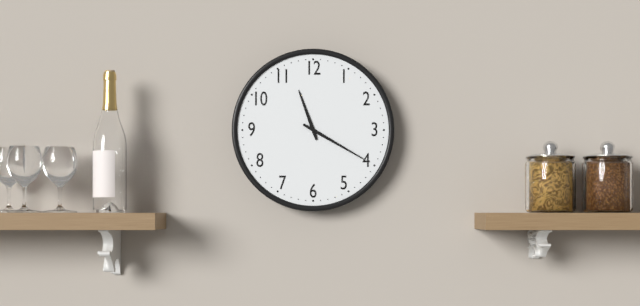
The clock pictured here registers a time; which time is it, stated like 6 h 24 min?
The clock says 11 h 20 min
